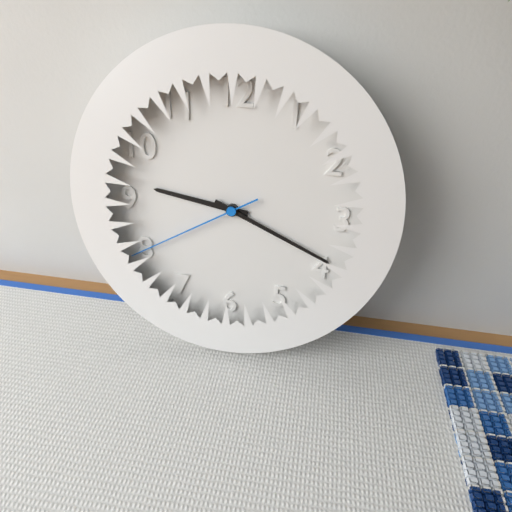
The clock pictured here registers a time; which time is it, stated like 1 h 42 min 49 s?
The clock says 9 h 19 min 40 s
